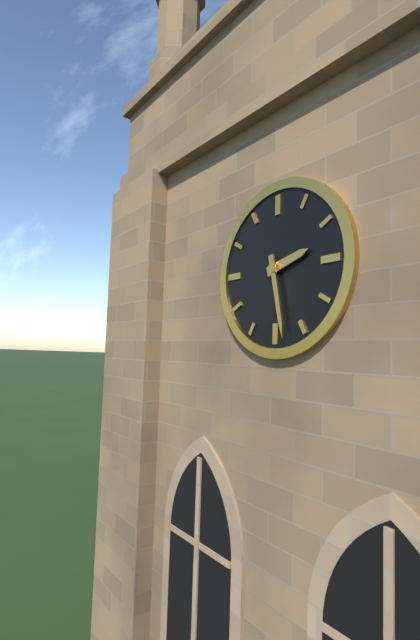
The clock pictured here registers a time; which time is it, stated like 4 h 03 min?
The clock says 2 h 28 min
